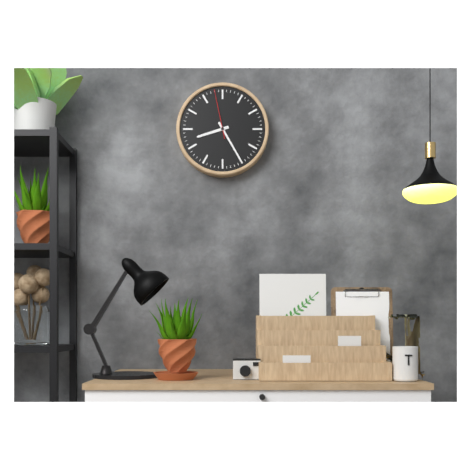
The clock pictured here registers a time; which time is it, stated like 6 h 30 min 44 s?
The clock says 8 h 25 min 58 s
